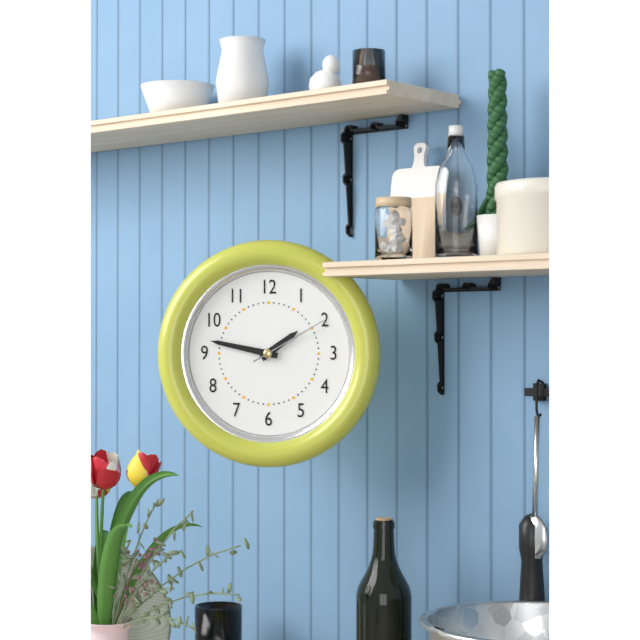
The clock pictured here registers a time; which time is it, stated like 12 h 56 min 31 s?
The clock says 1 h 47 min 10 s
